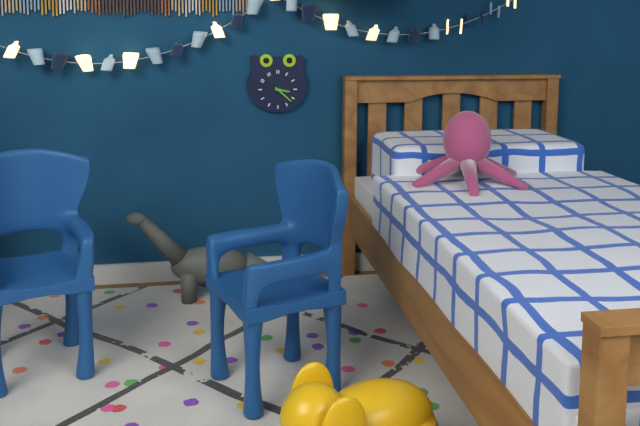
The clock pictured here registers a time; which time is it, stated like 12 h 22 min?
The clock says 3 h 22 min
